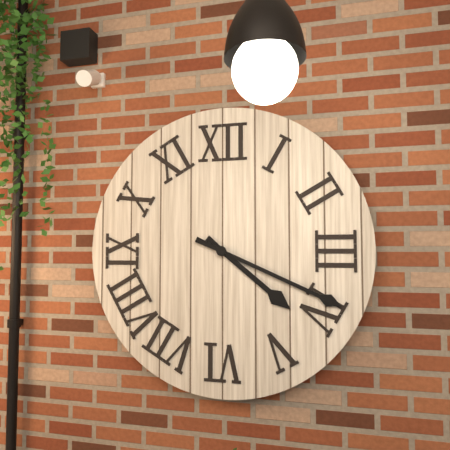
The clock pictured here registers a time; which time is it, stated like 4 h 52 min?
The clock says 4 h 19 min
